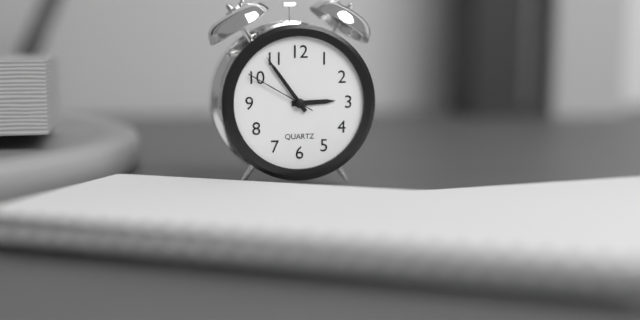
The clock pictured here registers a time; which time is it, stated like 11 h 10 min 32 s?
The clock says 2 h 54 min 50 s
